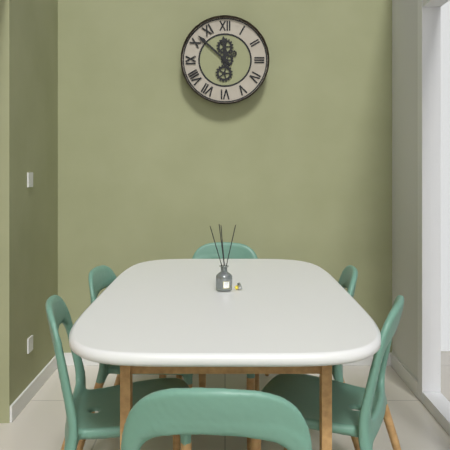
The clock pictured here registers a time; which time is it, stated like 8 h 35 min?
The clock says 11 h 52 min
